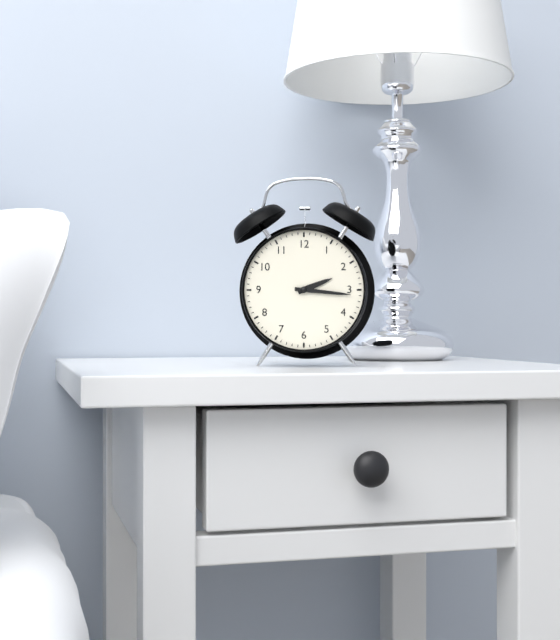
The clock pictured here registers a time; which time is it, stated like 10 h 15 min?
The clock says 2 h 16 min
